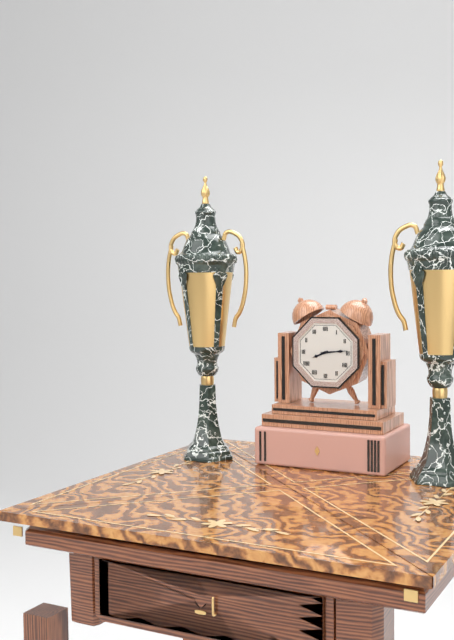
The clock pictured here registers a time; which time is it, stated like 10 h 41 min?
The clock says 8 h 14 min
